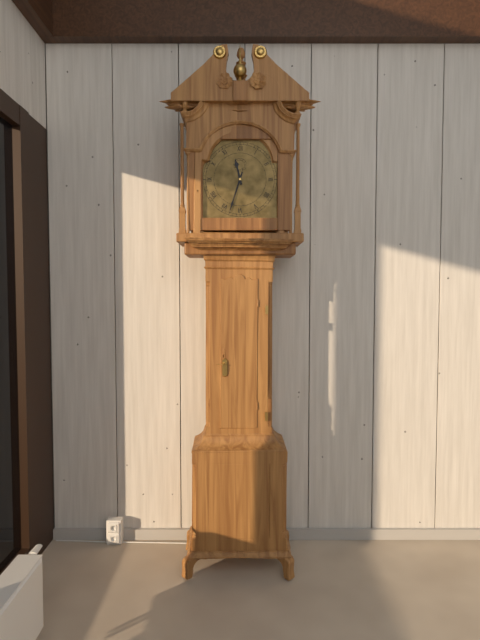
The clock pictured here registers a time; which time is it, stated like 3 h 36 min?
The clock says 11 h 33 min
